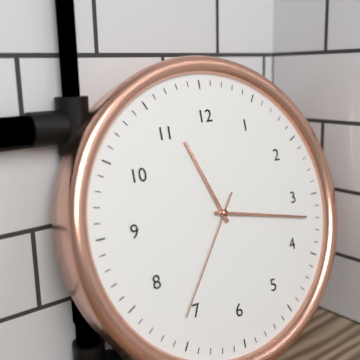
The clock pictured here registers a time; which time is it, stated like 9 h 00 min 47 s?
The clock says 11 h 17 min 36 s
